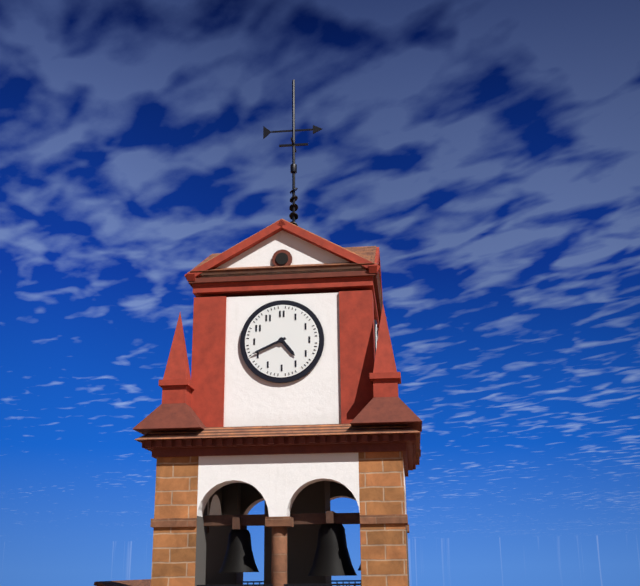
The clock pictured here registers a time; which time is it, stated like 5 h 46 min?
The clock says 4 h 41 min
